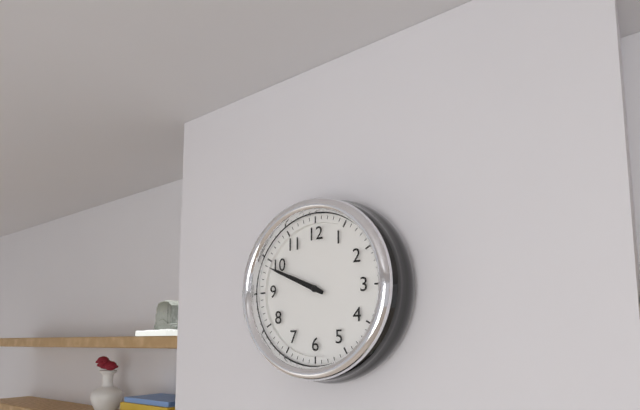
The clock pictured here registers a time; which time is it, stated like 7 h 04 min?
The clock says 9 h 49 min
